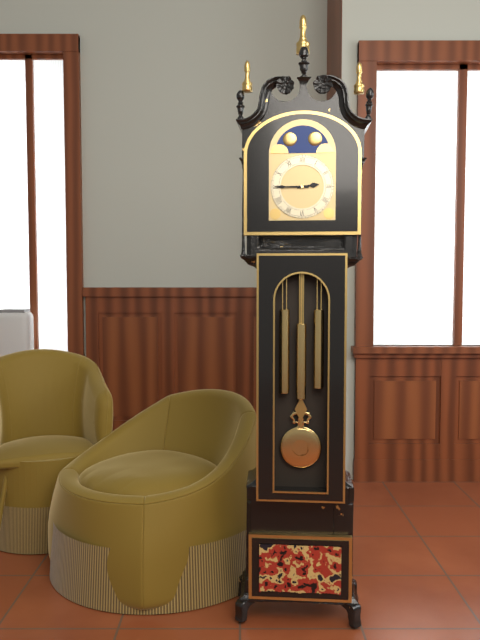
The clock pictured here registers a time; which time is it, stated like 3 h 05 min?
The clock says 2 h 45 min
